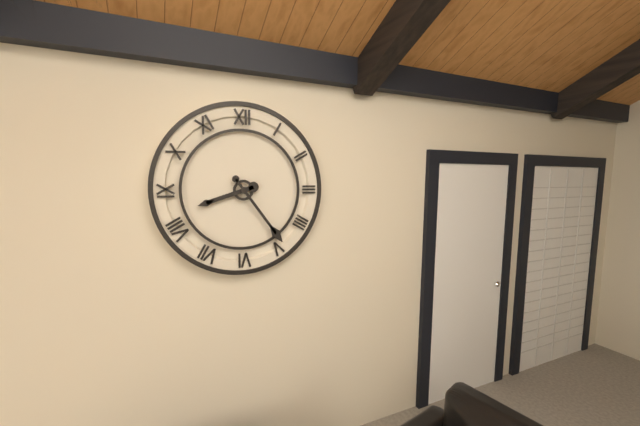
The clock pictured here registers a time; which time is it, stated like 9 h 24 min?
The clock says 8 h 24 min
